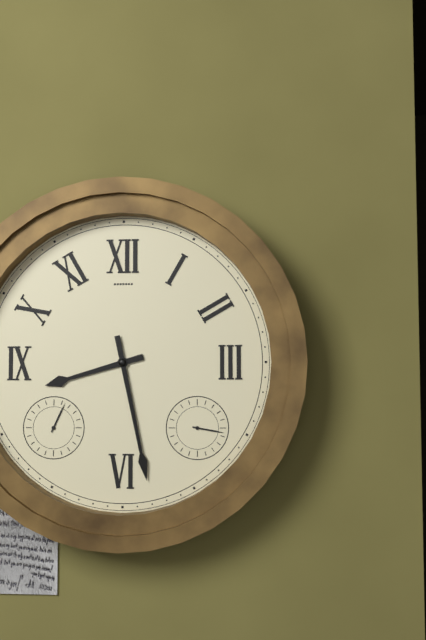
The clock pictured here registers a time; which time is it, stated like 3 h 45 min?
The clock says 8 h 28 min
